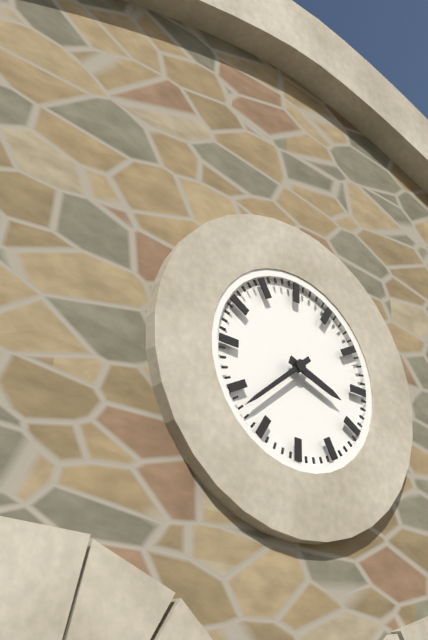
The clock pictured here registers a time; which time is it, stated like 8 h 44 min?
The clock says 3 h 38 min
